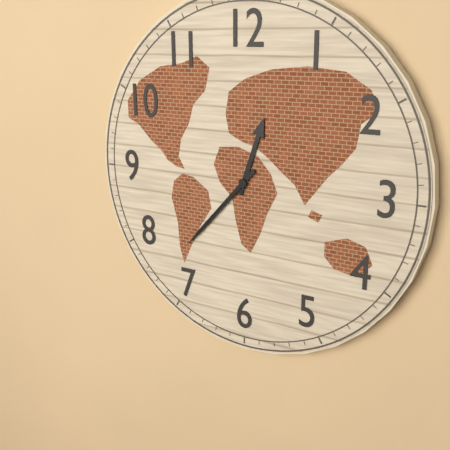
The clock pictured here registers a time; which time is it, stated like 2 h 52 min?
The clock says 12 h 37 min
